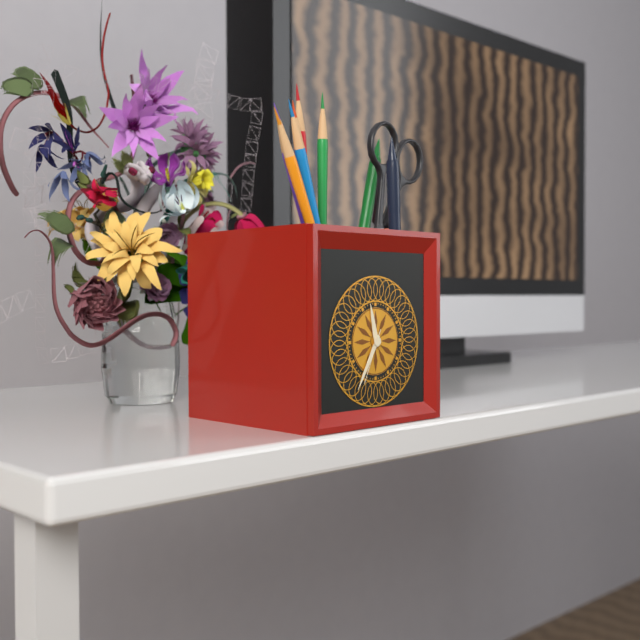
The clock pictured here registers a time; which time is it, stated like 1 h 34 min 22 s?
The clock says 11 h 35 min 34 s
